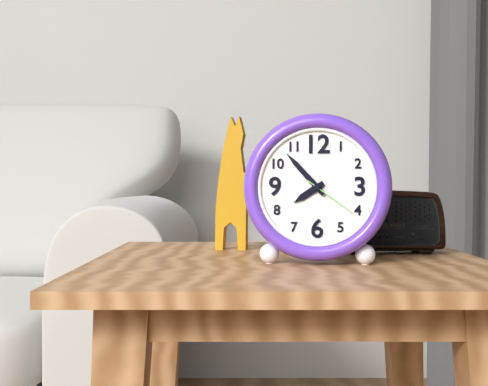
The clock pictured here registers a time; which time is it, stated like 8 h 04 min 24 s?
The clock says 7 h 53 min 21 s
